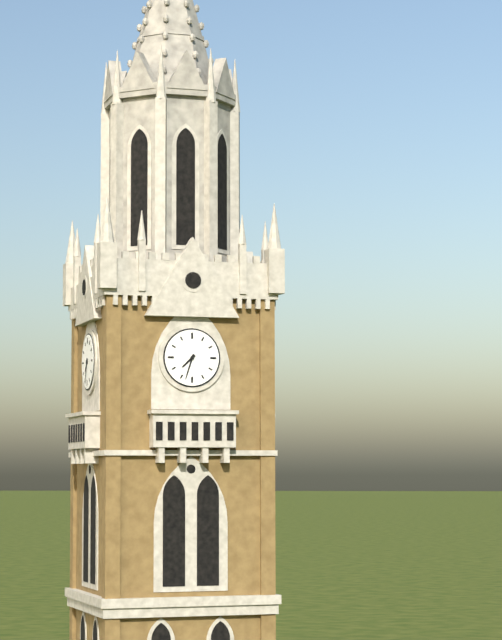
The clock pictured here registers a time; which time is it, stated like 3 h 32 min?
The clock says 7 h 33 min
